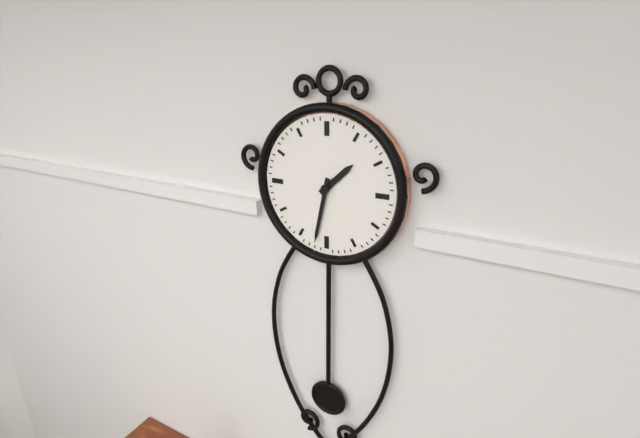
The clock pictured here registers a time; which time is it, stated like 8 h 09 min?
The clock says 1 h 32 min
